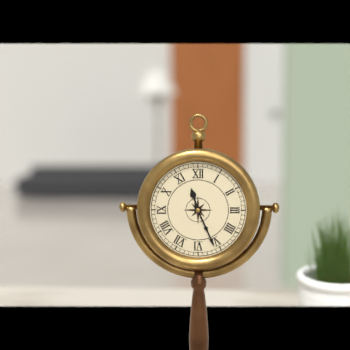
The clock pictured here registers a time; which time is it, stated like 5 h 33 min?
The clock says 11 h 26 min
